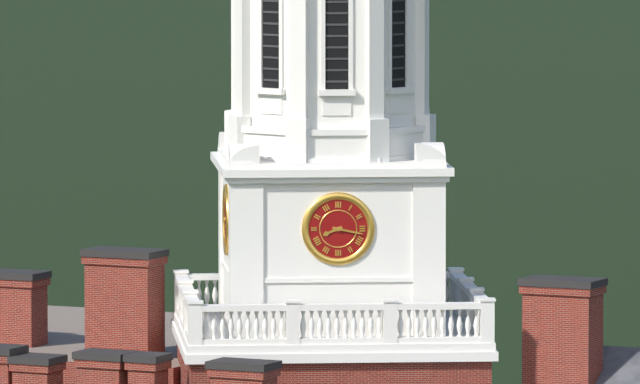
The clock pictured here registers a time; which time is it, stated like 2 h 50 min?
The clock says 8 h 17 min
